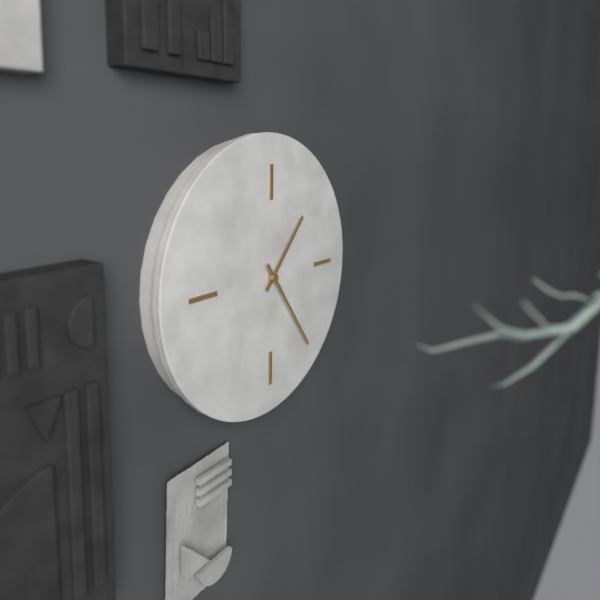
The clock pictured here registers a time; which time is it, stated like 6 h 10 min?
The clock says 1 h 24 min
